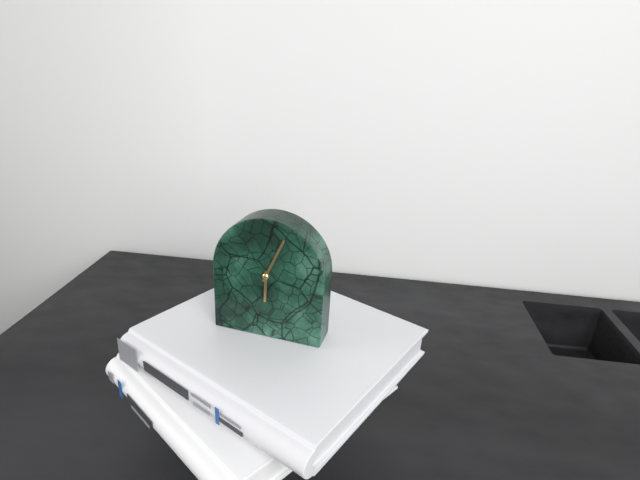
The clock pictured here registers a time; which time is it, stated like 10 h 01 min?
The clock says 6 h 04 min
